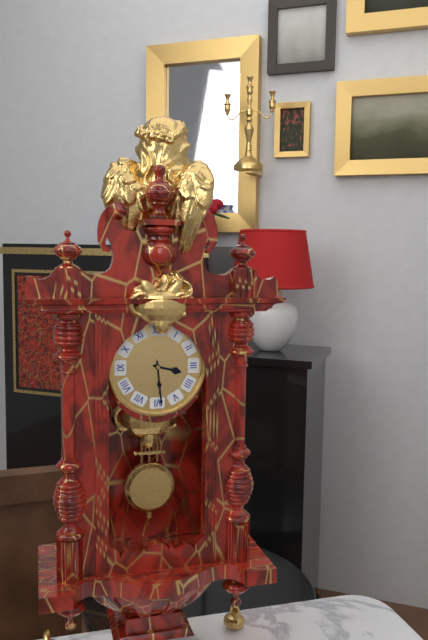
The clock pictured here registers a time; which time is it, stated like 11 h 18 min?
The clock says 3 h 29 min
